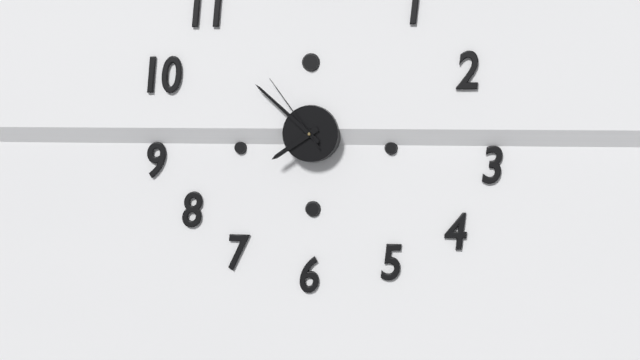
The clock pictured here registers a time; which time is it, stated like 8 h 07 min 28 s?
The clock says 7 h 52 min 54 s
